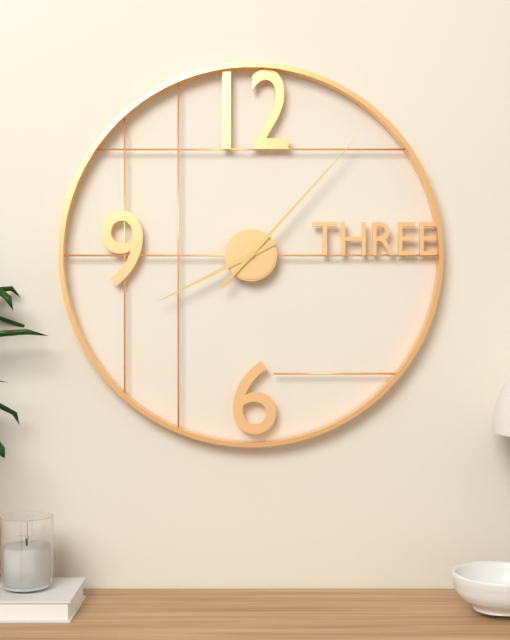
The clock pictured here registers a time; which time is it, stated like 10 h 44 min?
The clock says 8 h 07 min
